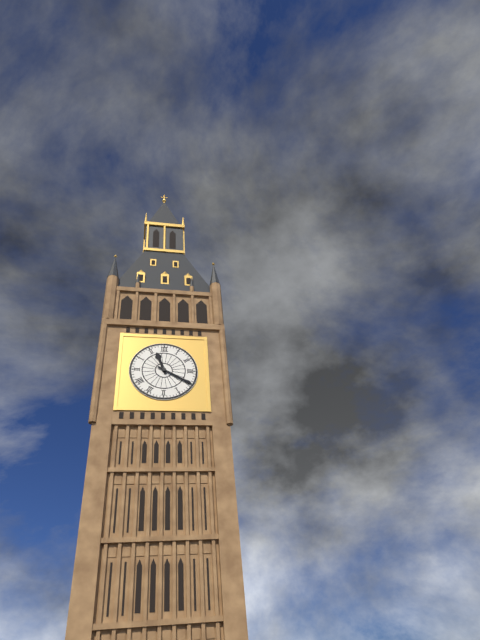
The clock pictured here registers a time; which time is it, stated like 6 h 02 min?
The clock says 11 h 20 min
